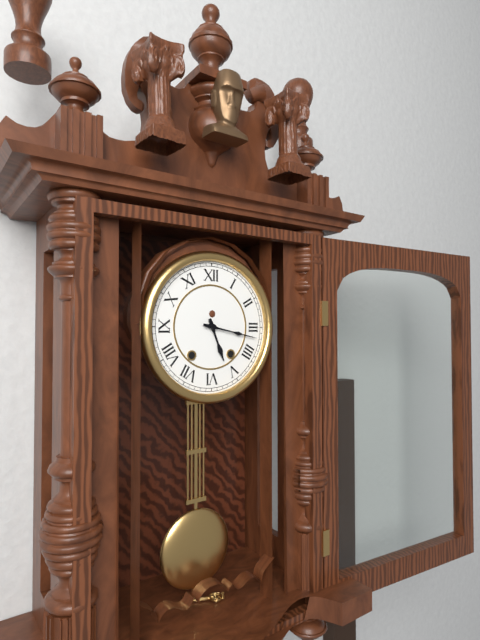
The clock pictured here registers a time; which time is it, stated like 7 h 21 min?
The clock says 5 h 17 min
